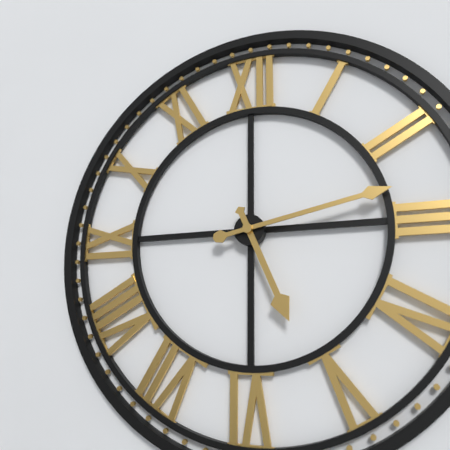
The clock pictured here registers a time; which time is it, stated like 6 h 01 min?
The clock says 5 h 13 min
